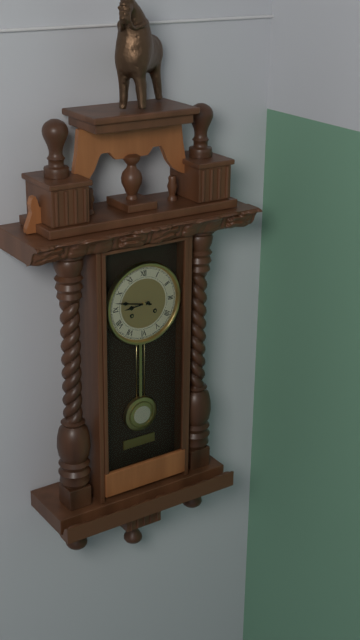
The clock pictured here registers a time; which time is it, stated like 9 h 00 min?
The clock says 8 h 47 min
